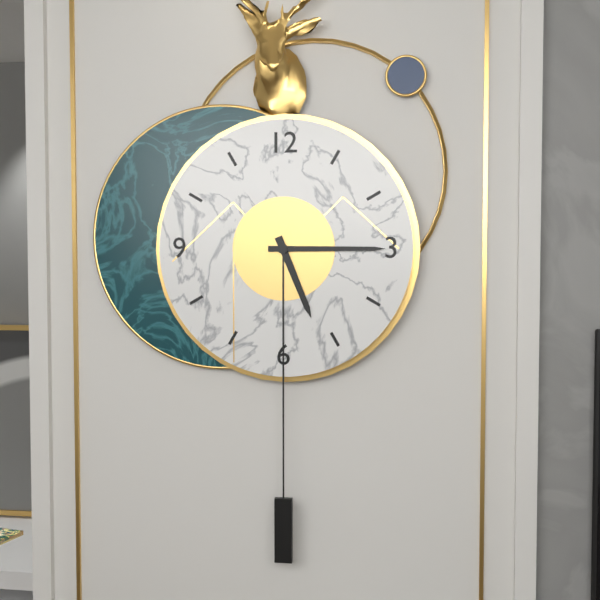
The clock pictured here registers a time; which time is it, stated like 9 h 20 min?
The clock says 5 h 15 min
